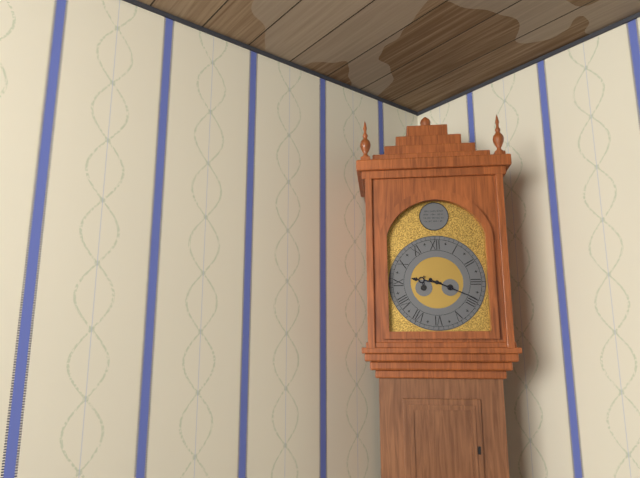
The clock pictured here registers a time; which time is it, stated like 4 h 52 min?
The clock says 9 h 19 min
